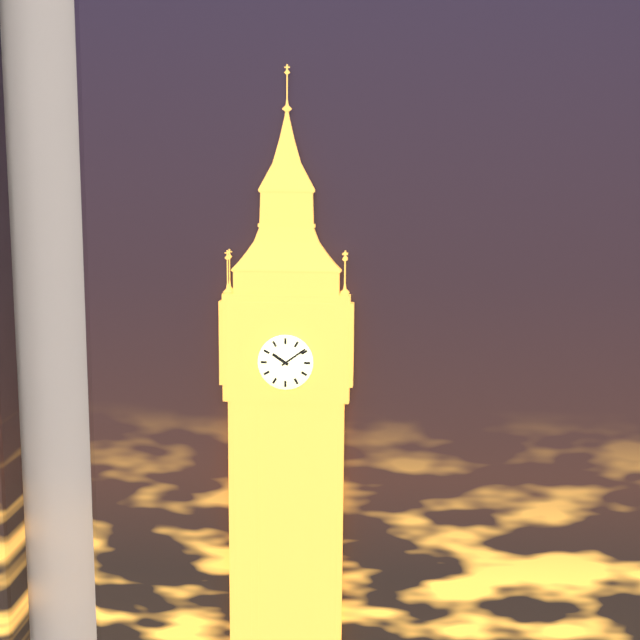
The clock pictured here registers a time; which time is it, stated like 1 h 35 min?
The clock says 10 h 09 min
